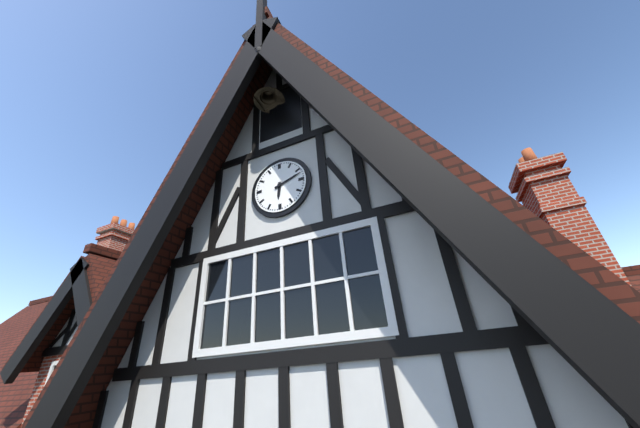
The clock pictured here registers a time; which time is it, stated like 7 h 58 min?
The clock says 6 h 12 min
